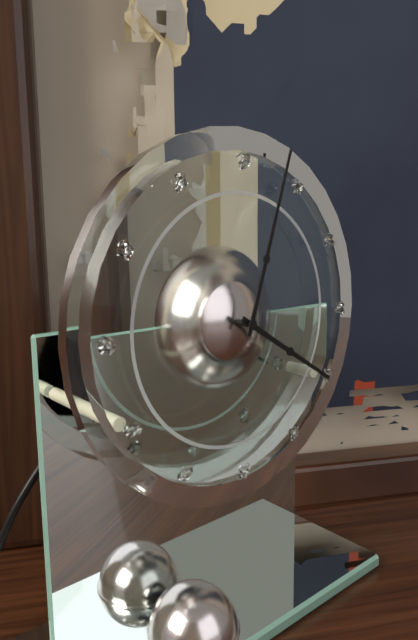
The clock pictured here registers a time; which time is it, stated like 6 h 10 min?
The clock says 4 h 03 min
